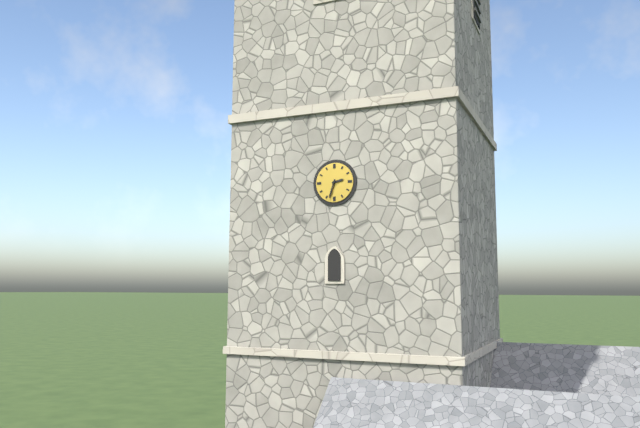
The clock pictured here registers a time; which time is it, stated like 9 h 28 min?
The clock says 2 h 33 min
